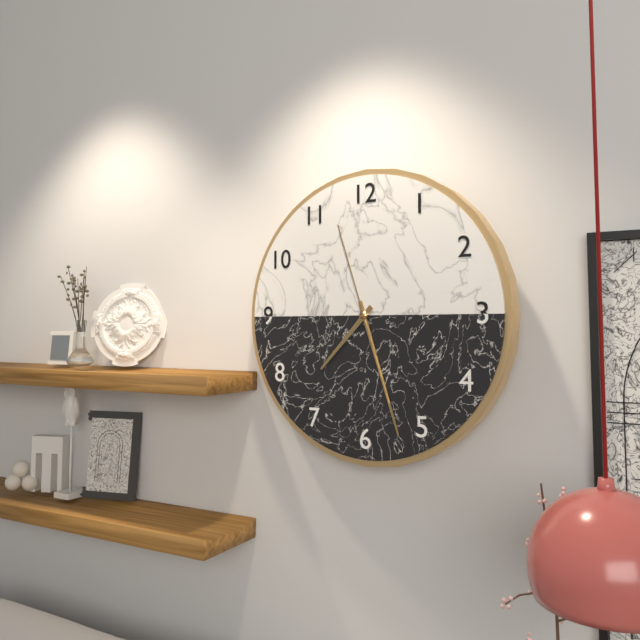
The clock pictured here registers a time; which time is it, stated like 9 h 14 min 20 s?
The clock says 7 h 27 min 57 s
